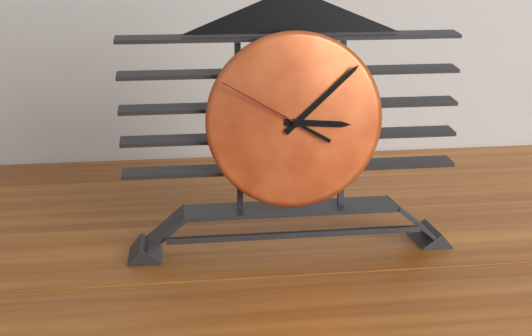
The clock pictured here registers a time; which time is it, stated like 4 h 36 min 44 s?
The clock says 3 h 08 min 50 s
